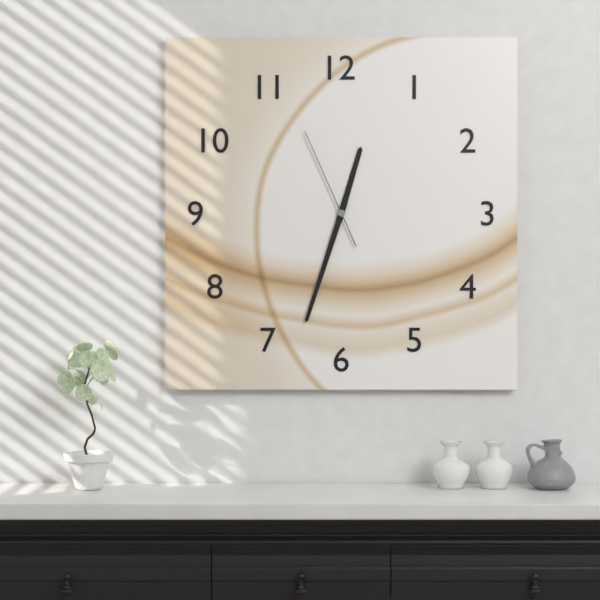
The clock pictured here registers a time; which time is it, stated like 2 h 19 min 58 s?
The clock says 12 h 33 min 56 s
